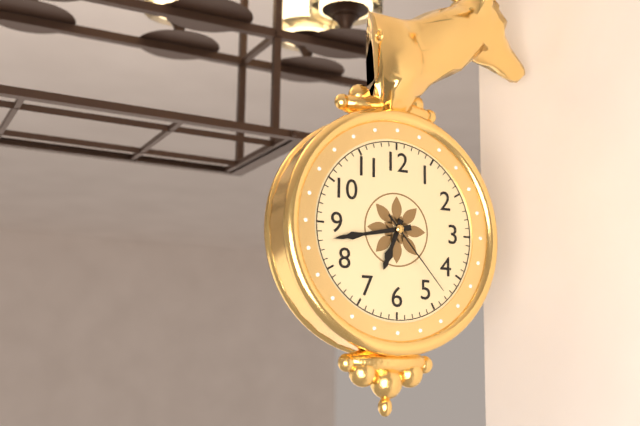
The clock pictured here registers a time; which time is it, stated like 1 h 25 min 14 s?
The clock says 6 h 43 min 23 s
